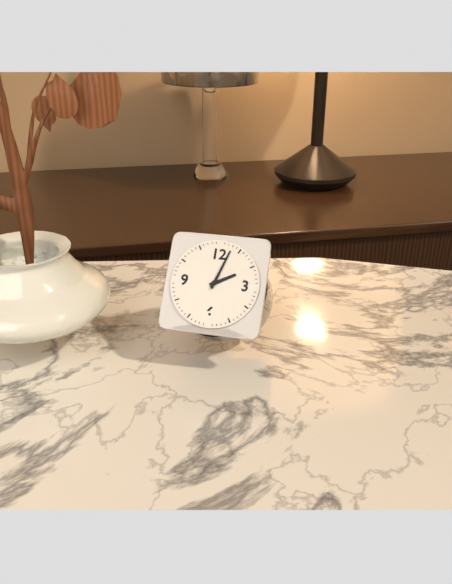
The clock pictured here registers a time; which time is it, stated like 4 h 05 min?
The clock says 2 h 03 min
